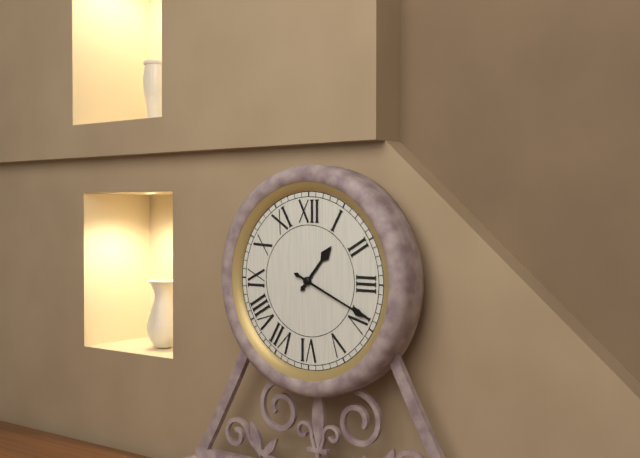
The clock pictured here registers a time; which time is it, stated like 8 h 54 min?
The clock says 1 h 19 min
